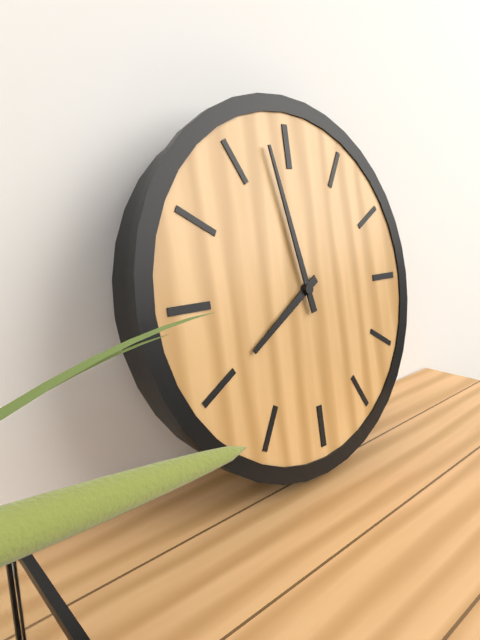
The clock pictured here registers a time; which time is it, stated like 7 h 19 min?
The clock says 7 h 58 min
